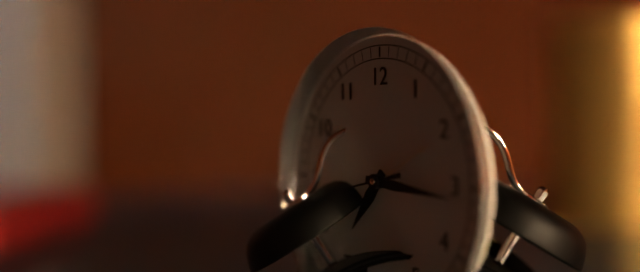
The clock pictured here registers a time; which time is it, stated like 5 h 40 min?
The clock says 7 h 16 min
